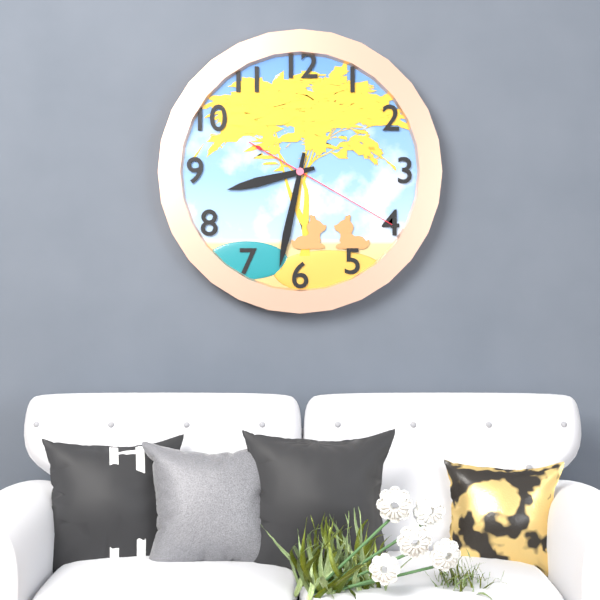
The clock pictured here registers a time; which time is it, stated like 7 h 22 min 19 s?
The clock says 8 h 32 min 20 s
